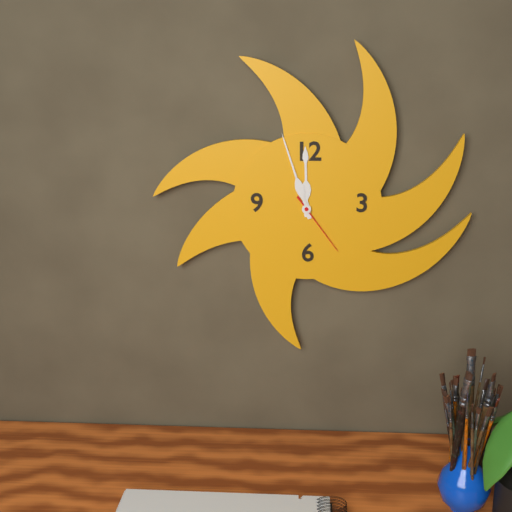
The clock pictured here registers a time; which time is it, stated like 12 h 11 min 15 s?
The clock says 11 h 57 min 24 s
